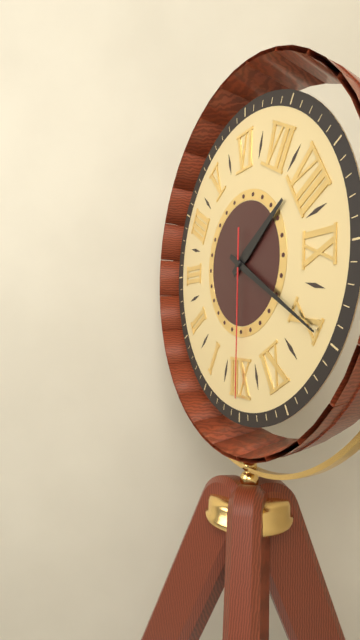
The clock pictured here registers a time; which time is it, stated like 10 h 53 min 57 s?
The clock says 7 h 50 min 00 s
